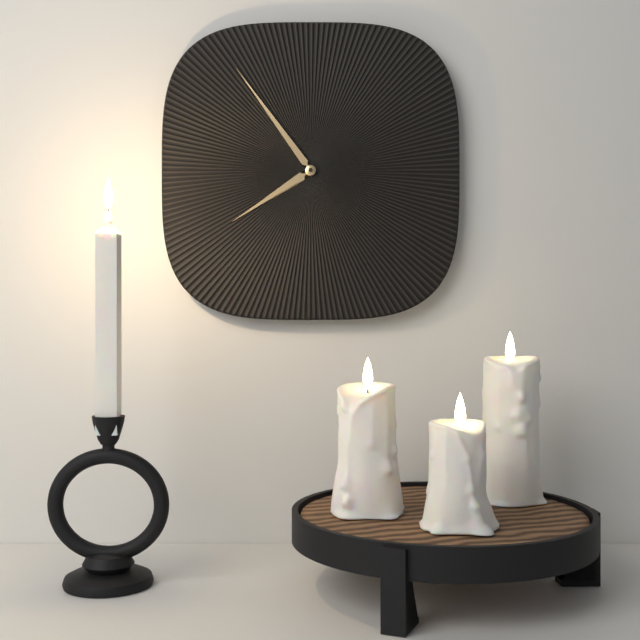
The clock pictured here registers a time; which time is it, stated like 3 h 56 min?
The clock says 7 h 54 min
